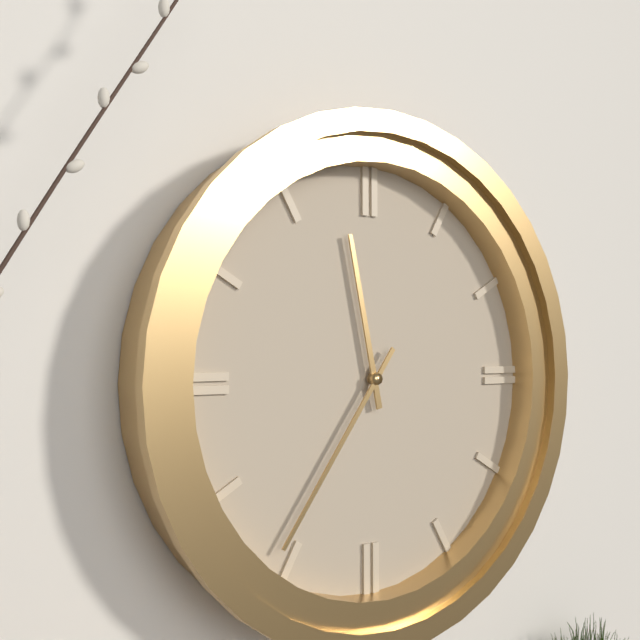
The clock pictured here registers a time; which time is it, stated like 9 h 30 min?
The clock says 11 h 36 min
